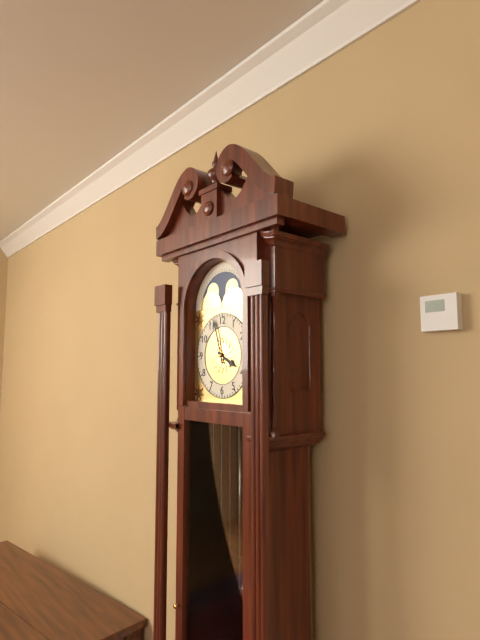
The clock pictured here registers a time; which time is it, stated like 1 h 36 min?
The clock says 3 h 57 min
